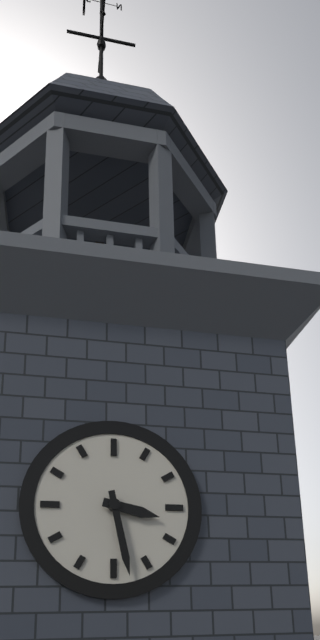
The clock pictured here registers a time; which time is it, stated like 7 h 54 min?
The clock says 3 h 28 min
